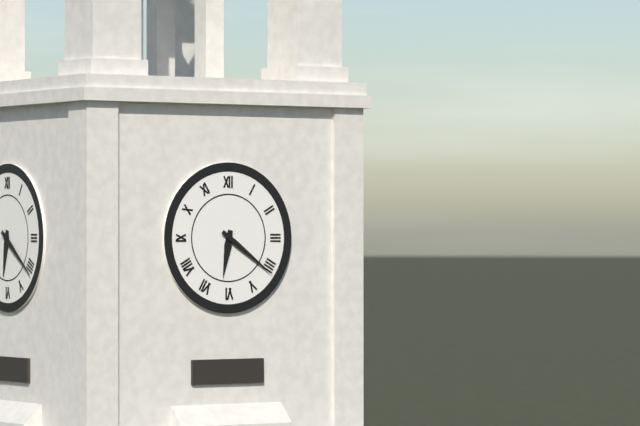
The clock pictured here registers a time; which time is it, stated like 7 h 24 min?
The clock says 6 h 21 min
